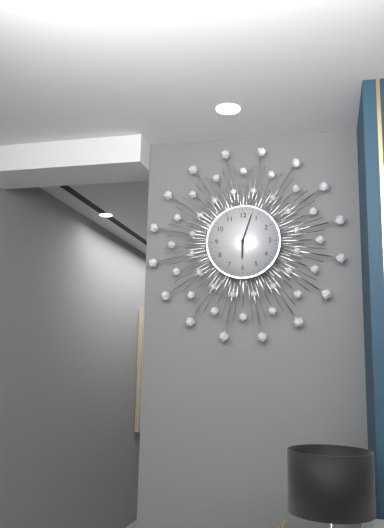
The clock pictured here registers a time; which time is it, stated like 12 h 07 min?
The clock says 6 h 03 min
